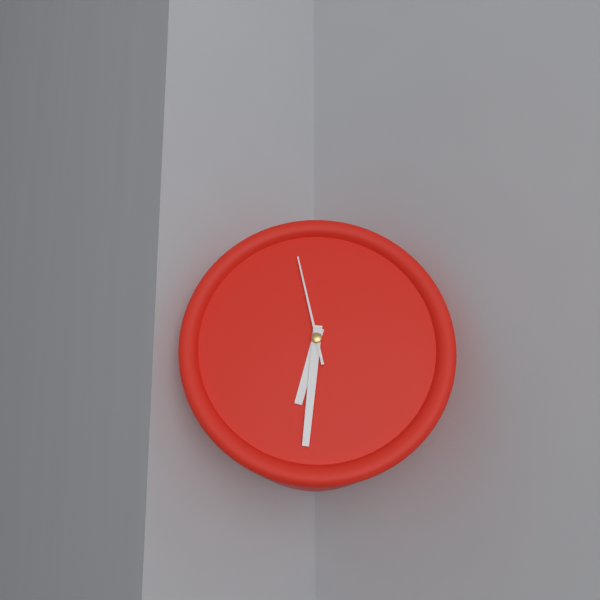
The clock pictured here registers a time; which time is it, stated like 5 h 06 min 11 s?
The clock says 6 h 31 min 58 s
